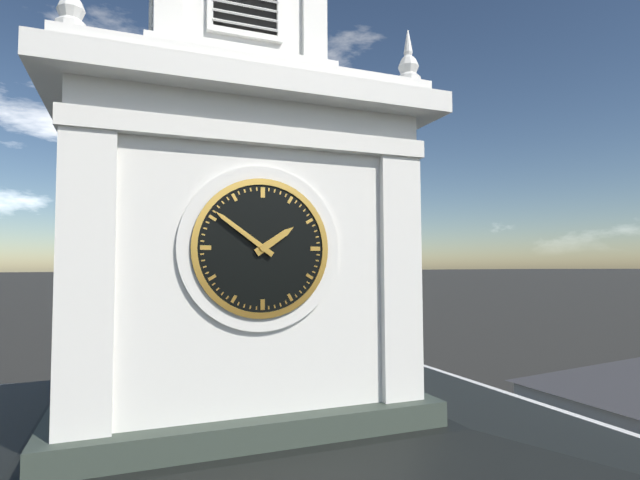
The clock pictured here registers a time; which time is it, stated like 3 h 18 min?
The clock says 1 h 51 min
